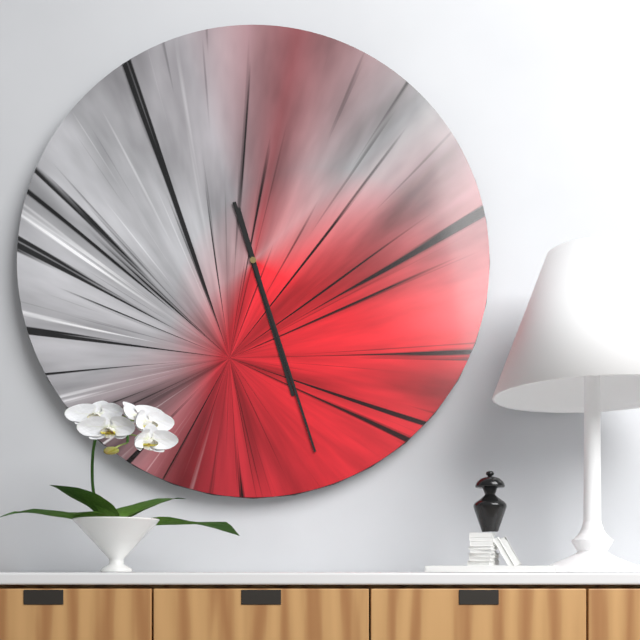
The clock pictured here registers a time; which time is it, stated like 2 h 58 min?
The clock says 5 h 27 min
